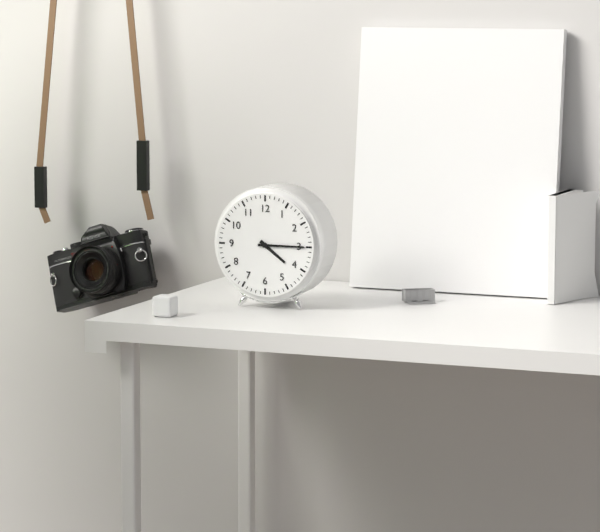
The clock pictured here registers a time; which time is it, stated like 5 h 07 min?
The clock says 4 h 15 min
